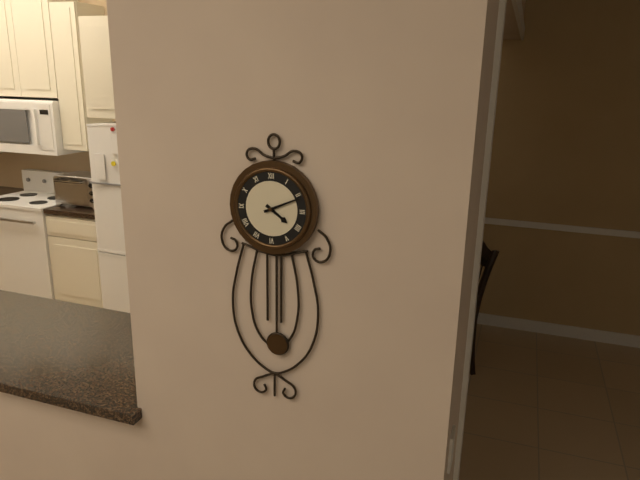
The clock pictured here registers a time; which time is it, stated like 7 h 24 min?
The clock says 4 h 11 min
